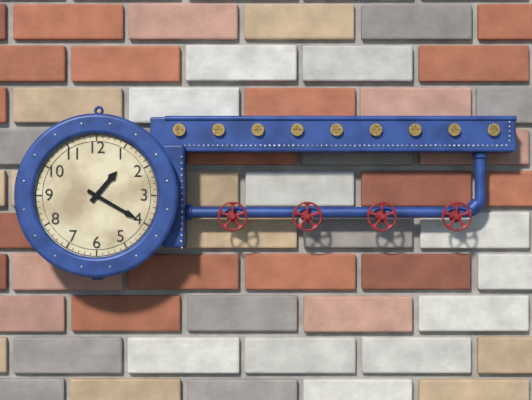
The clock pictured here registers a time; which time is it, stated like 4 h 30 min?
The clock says 1 h 20 min
